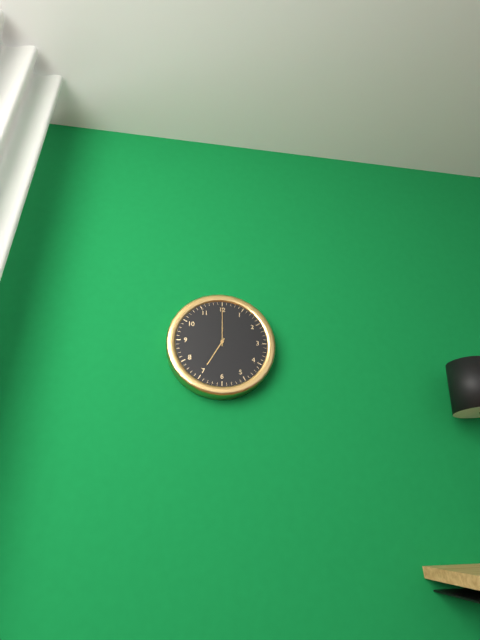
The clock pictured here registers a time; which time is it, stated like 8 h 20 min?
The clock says 7 h 00 min
